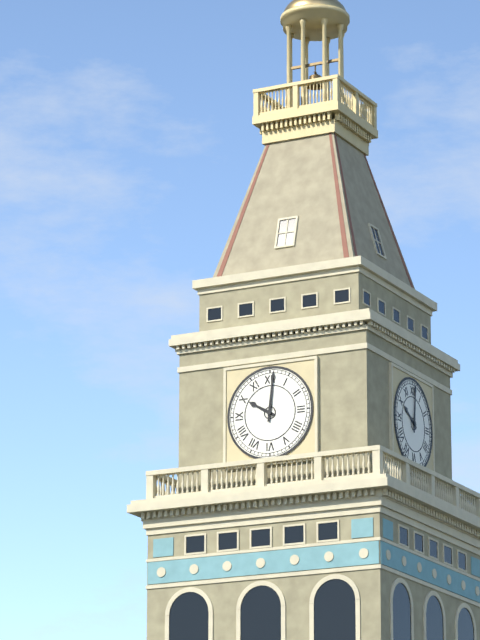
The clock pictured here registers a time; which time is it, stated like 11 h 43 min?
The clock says 10 h 01 min
